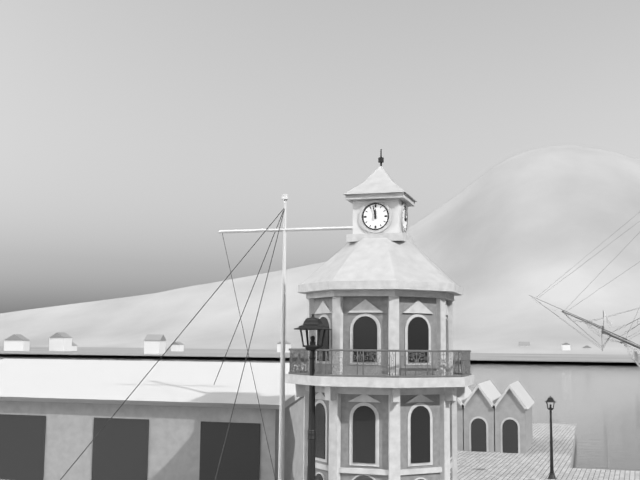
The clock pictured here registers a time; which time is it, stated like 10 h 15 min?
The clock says 11 h 58 min
